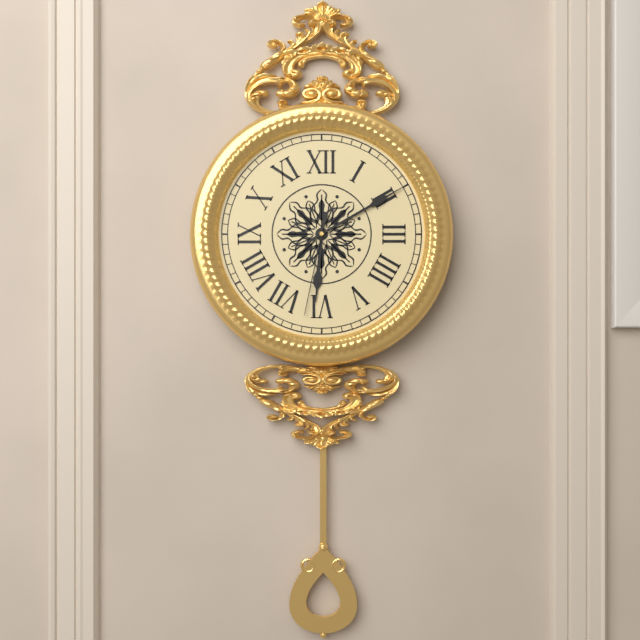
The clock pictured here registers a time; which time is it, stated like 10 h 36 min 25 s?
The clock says 6 h 10 min 32 s
